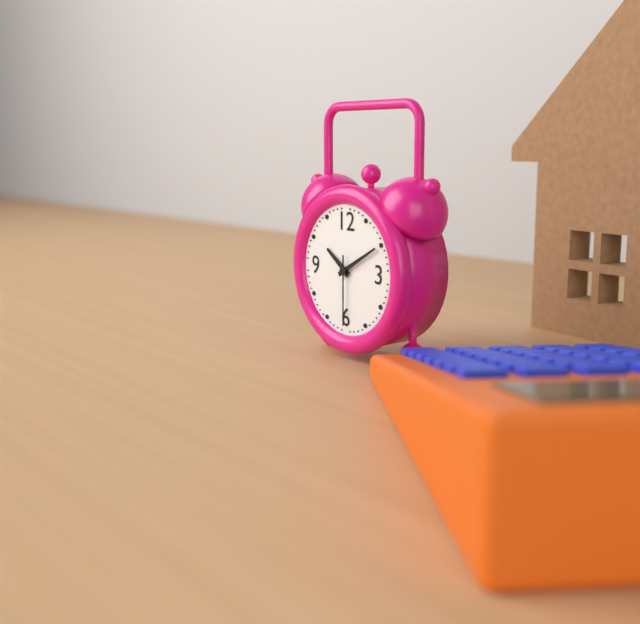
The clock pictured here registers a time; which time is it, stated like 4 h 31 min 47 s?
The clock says 10 h 10 min 30 s
